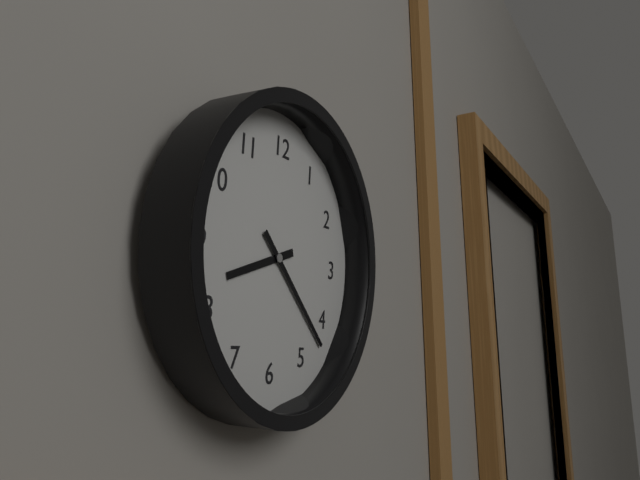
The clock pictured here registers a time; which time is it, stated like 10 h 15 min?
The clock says 8 h 22 min
